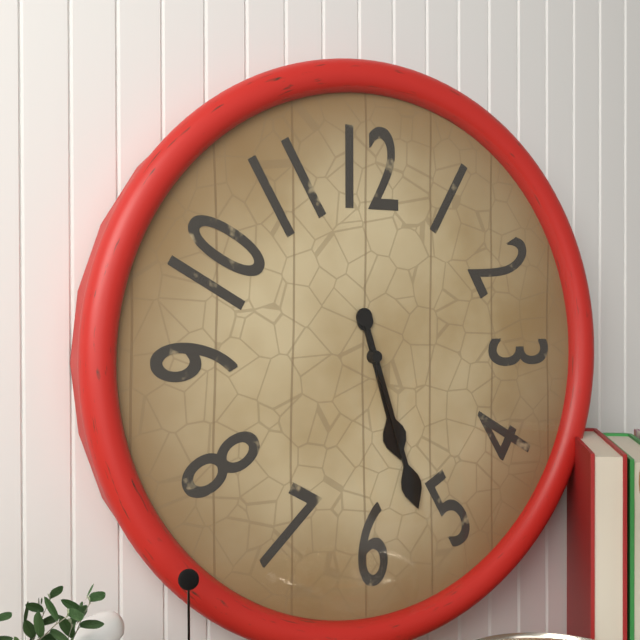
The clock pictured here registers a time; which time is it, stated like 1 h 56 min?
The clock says 5 h 27 min
